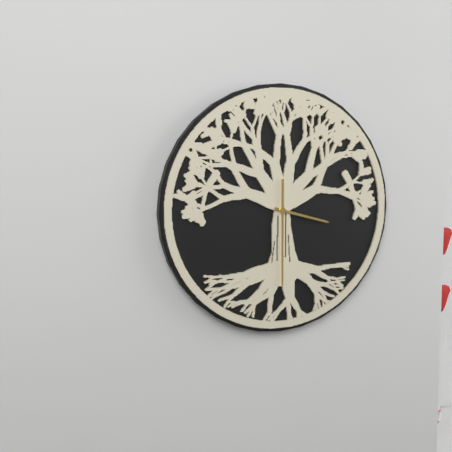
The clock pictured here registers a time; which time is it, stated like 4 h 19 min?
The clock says 3 h 30 min
